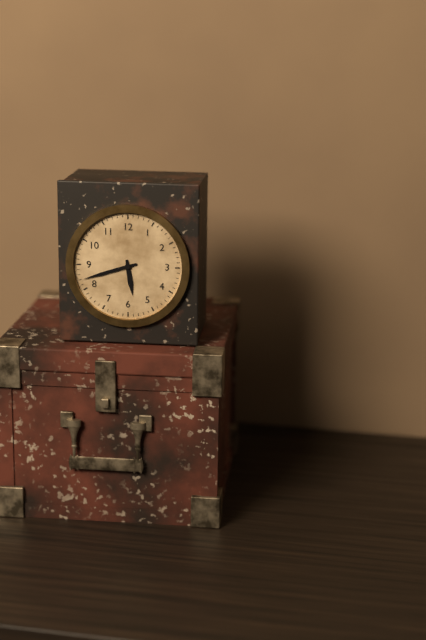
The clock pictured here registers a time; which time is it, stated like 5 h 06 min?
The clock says 5 h 42 min
